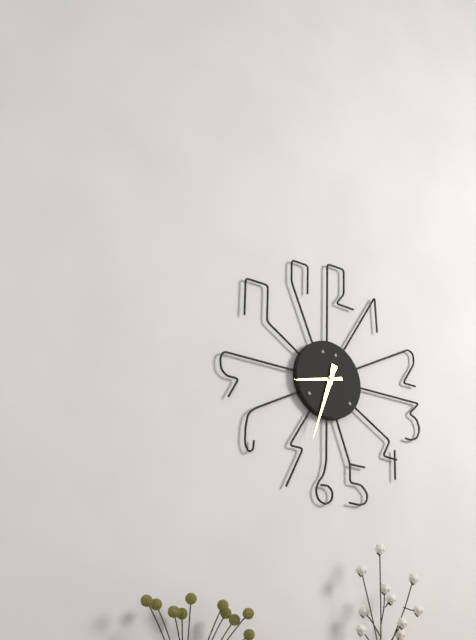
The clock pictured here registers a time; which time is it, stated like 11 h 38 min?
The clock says 8 h 33 min
